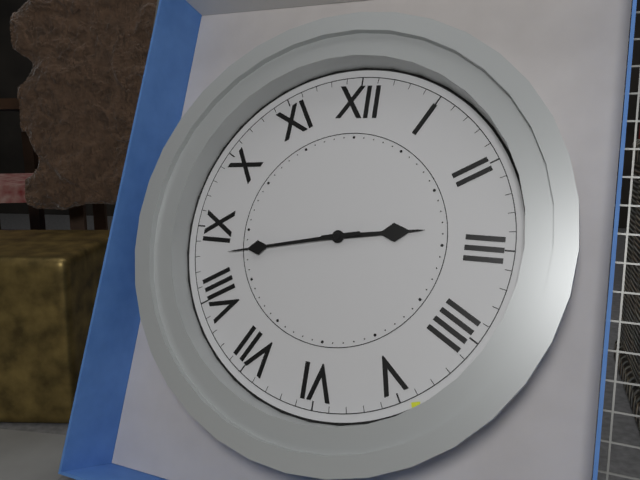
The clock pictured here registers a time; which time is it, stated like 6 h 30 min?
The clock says 2 h 43 min
